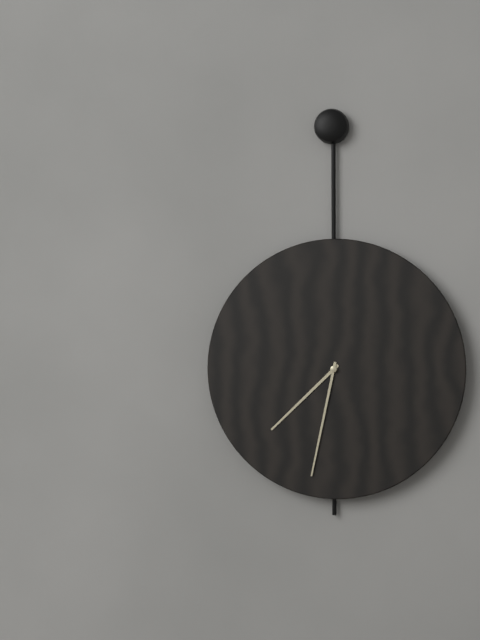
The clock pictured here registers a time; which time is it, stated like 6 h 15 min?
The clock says 7 h 32 min
